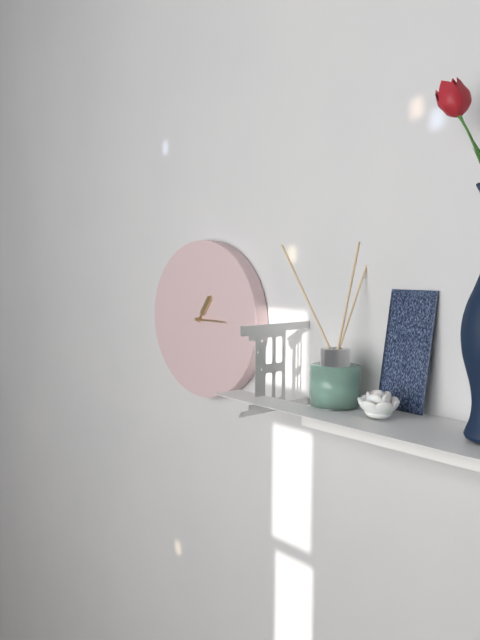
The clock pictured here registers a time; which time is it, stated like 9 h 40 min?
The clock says 1 h 15 min
